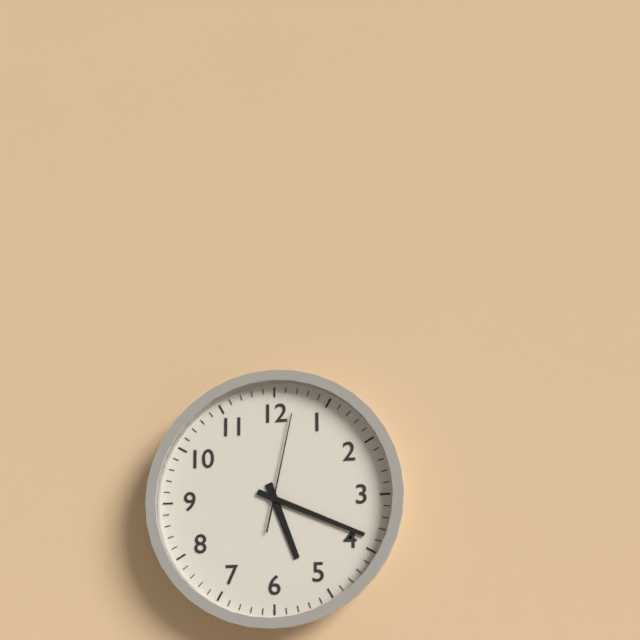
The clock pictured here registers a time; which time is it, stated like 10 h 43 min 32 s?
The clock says 5 h 19 min 02 s
